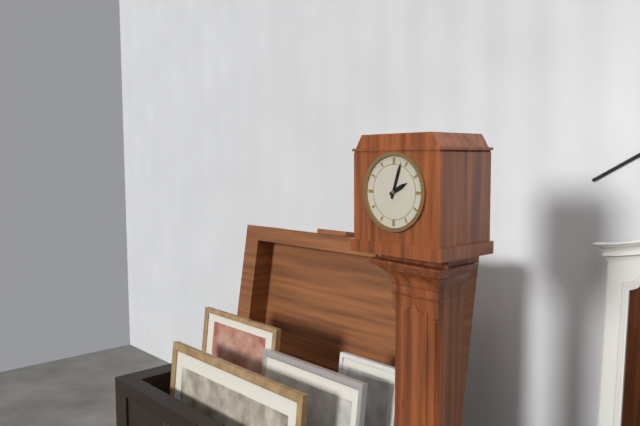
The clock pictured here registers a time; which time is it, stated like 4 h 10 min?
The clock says 2 h 03 min
